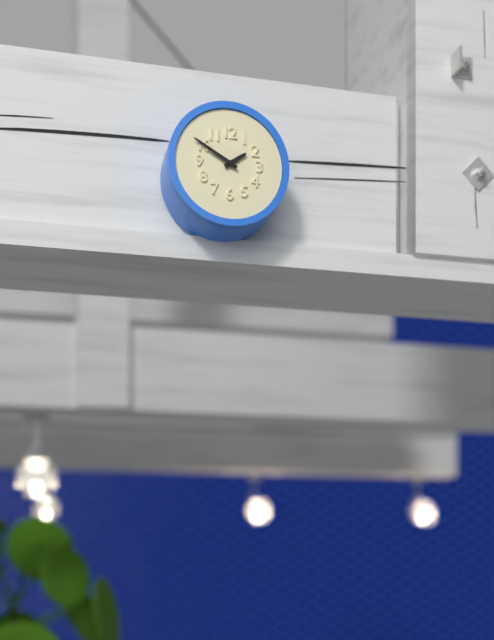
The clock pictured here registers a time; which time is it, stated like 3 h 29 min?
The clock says 1 h 50 min
